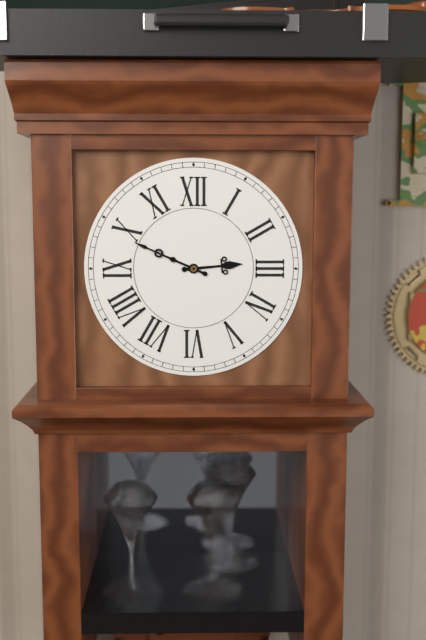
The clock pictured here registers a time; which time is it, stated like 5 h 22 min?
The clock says 2 h 49 min
